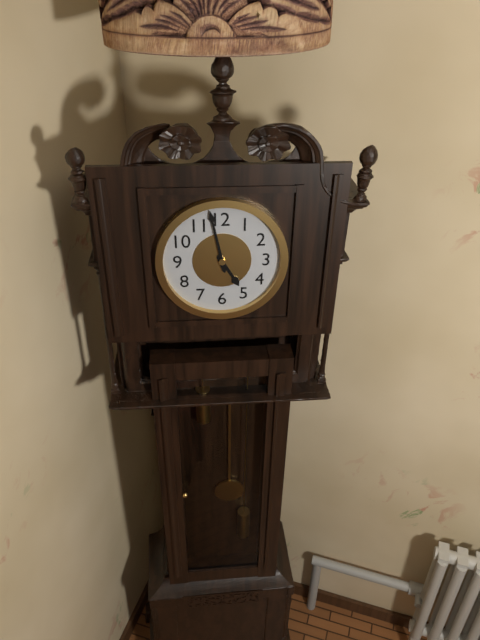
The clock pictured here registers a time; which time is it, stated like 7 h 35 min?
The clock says 4 h 58 min
